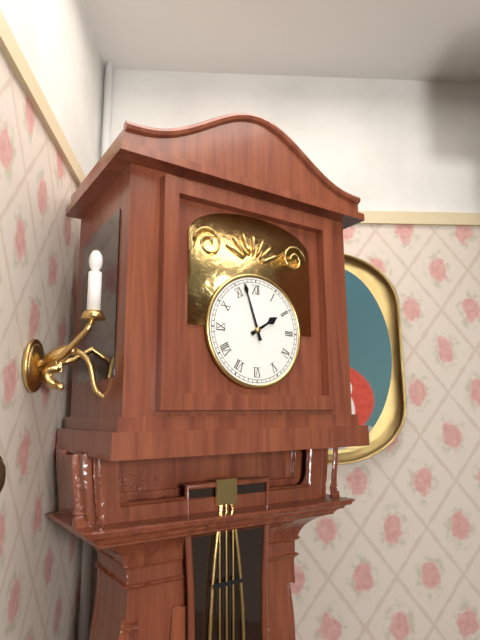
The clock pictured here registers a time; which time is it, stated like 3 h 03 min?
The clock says 1 h 57 min
